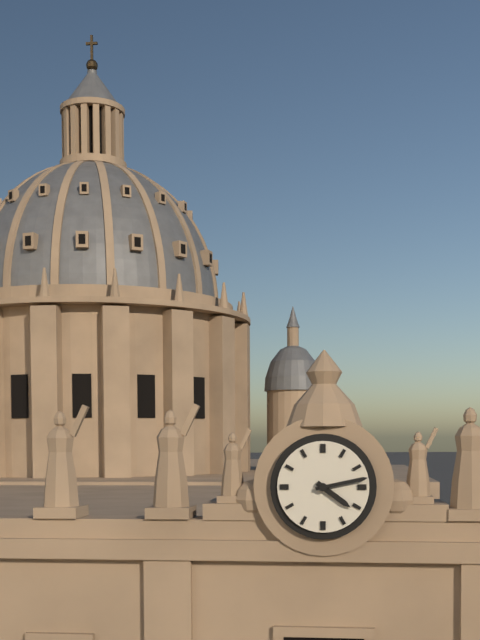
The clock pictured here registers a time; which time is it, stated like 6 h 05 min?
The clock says 4 h 13 min
